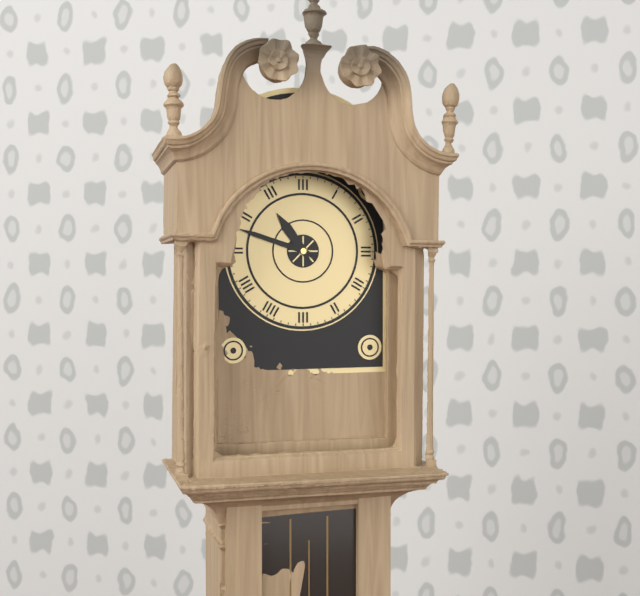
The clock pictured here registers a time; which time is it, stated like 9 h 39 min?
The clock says 10 h 48 min
